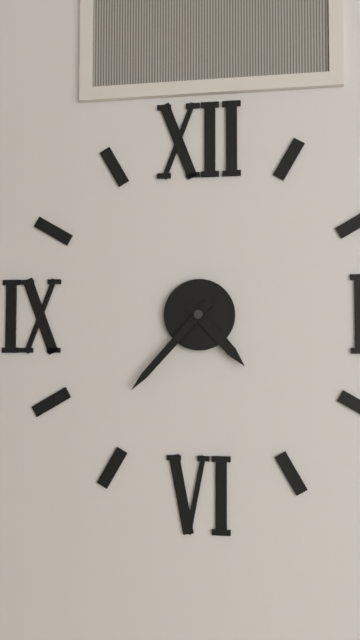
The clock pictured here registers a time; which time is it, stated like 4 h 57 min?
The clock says 4 h 37 min
